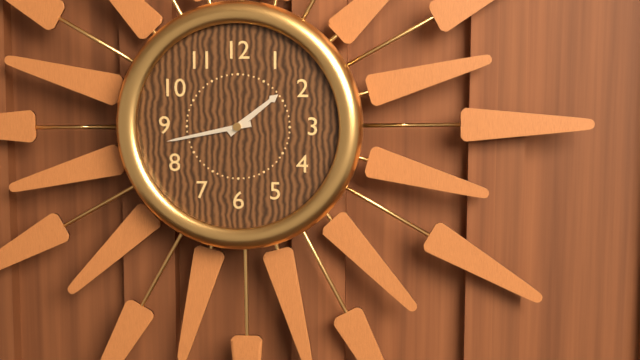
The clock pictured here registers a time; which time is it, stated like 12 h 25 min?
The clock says 1 h 43 min
